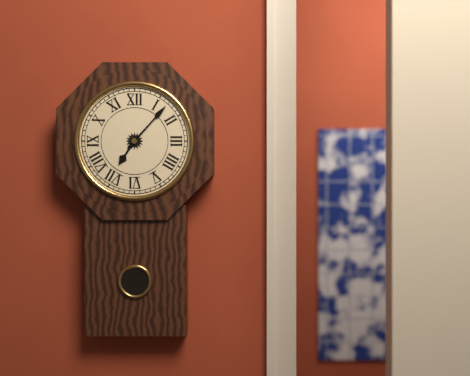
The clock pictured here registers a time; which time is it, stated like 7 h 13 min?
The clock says 7 h 07 min
